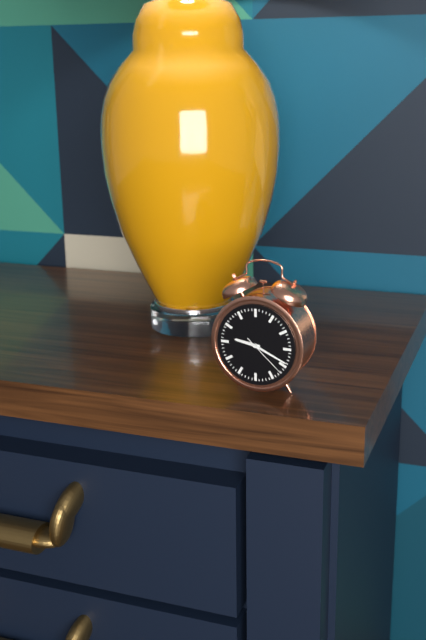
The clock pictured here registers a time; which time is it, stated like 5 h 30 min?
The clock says 9 h 19 min
